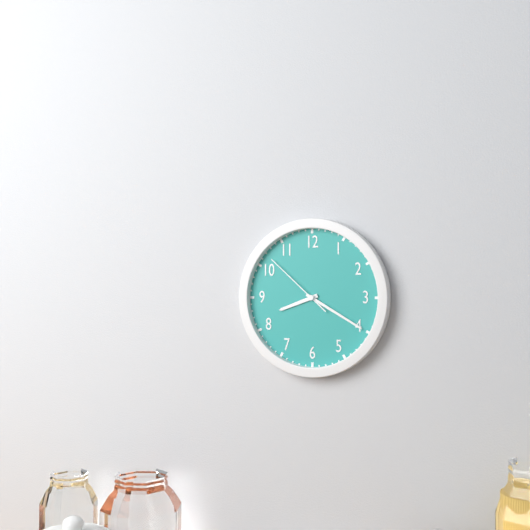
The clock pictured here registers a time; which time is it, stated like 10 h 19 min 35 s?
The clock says 8 h 20 min 52 s
